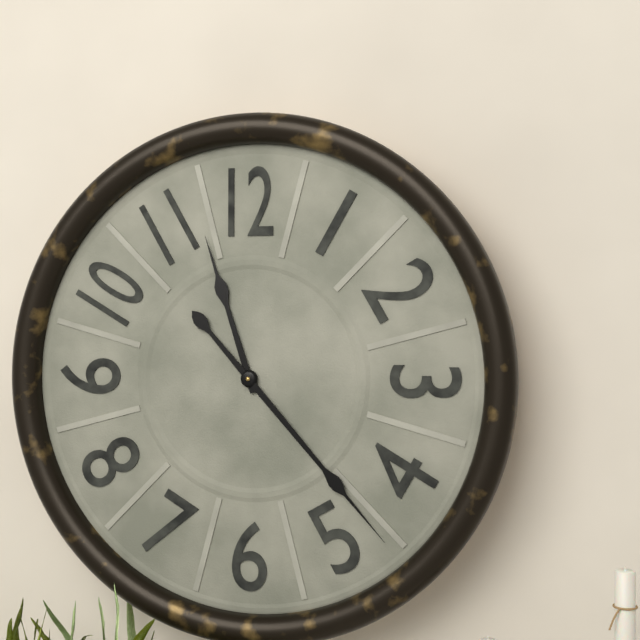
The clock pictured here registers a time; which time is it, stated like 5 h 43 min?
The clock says 11 h 23 min
